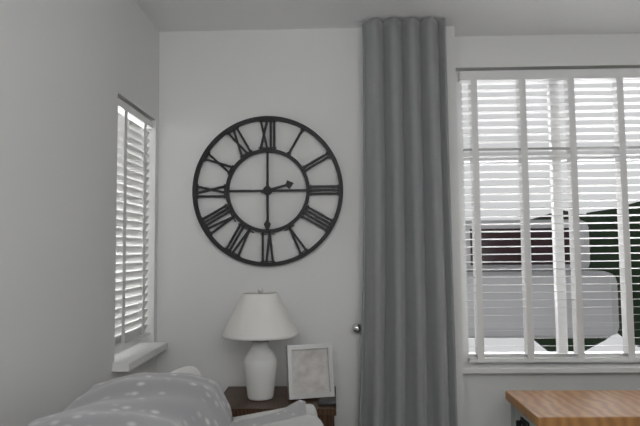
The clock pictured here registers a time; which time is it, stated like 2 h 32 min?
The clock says 2 h 30 min
